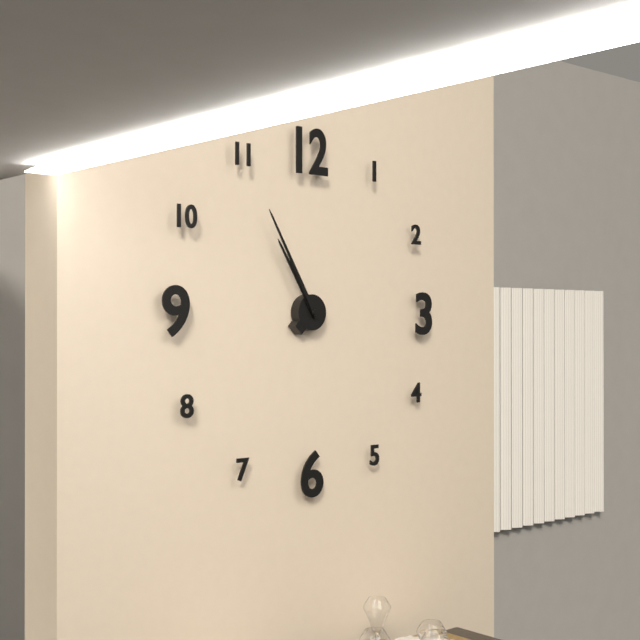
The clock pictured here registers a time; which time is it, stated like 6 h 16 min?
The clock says 10 h 55 min
